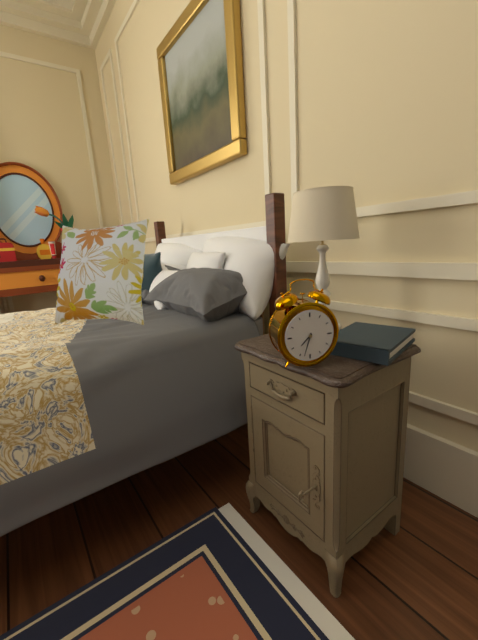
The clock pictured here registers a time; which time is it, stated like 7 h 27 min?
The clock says 7 h 33 min
